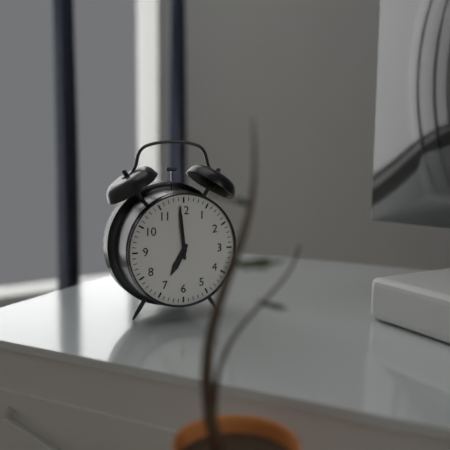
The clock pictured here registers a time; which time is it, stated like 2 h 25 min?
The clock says 6 h 59 min
